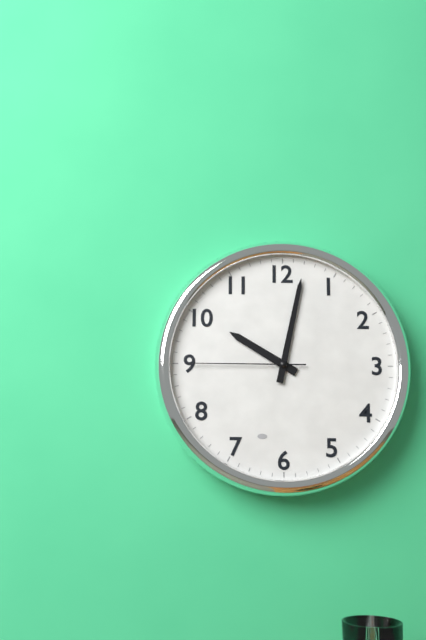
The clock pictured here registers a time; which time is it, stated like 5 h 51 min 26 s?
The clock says 10 h 02 min 45 s
